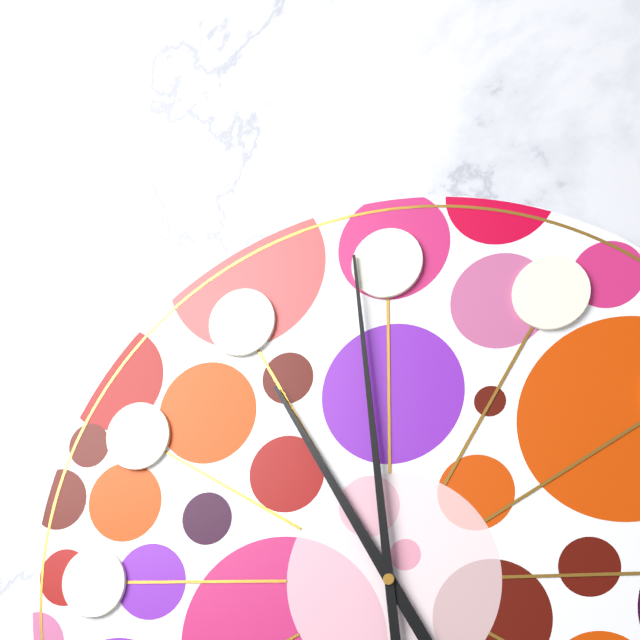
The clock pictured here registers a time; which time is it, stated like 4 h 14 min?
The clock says 10 h 59 min
